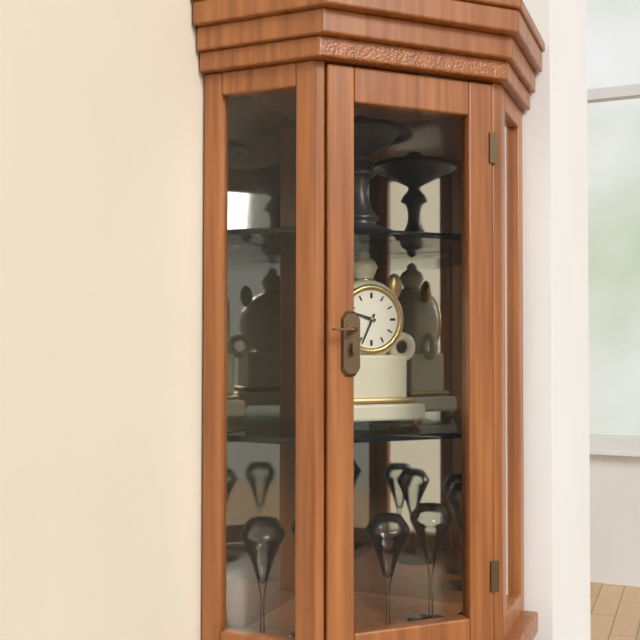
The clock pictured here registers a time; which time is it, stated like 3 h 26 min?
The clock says 9 h 34 min
